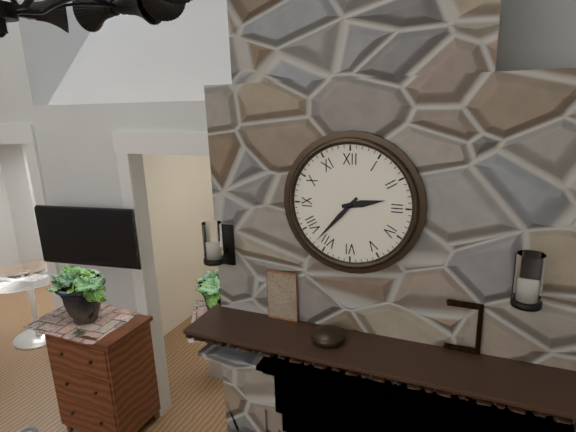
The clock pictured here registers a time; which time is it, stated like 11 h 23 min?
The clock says 2 h 37 min
